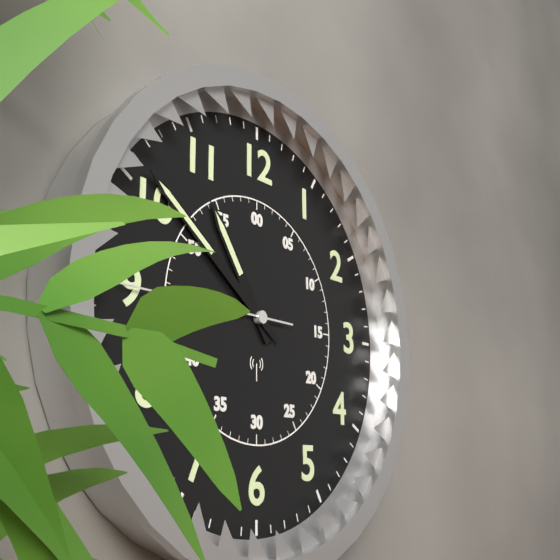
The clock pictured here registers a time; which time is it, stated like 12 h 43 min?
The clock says 10 h 51 min
